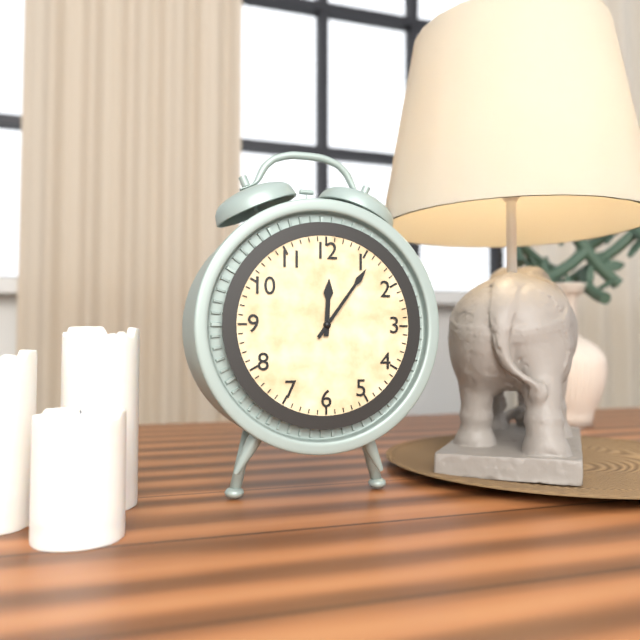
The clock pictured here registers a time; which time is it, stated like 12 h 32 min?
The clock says 12 h 06 min
